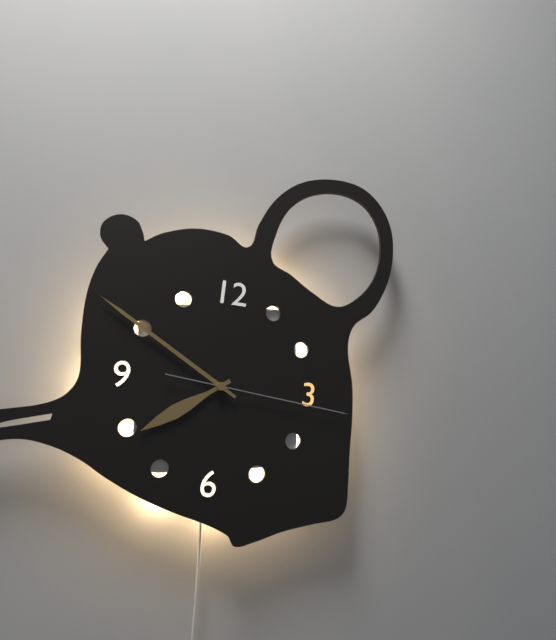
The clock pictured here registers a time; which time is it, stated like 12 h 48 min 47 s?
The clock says 7 h 50 min 16 s
